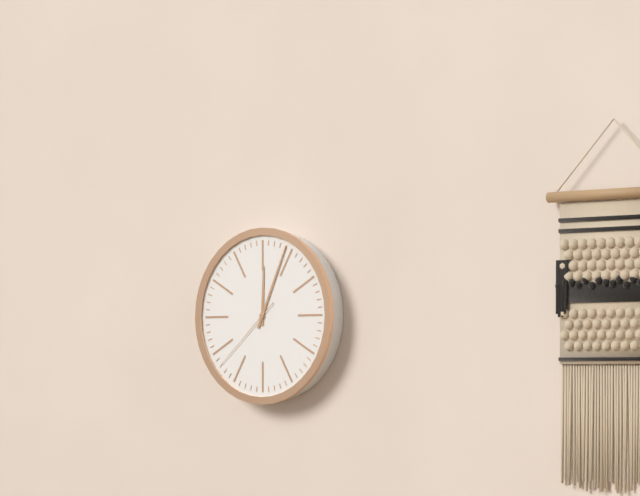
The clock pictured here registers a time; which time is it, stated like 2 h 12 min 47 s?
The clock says 12 h 04 min 38 s
